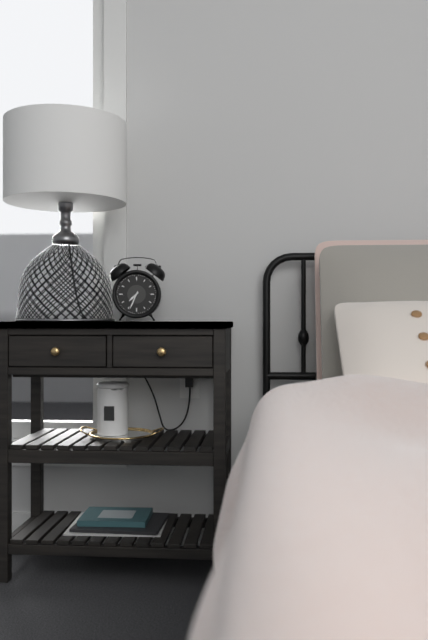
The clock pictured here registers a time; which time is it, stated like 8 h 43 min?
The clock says 7 h 34 min
